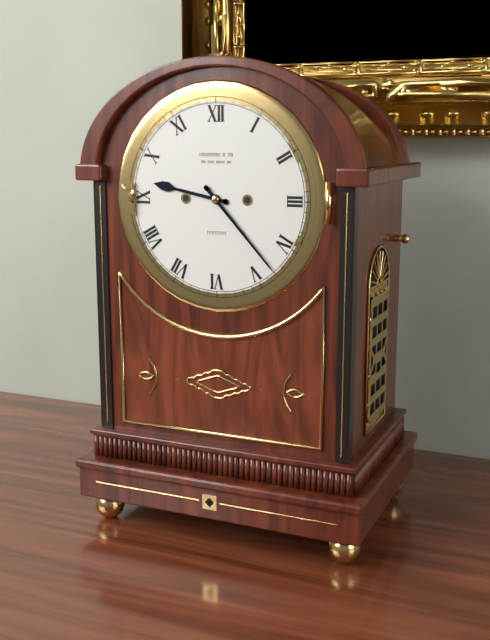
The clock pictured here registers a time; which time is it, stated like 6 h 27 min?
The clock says 9 h 23 min
